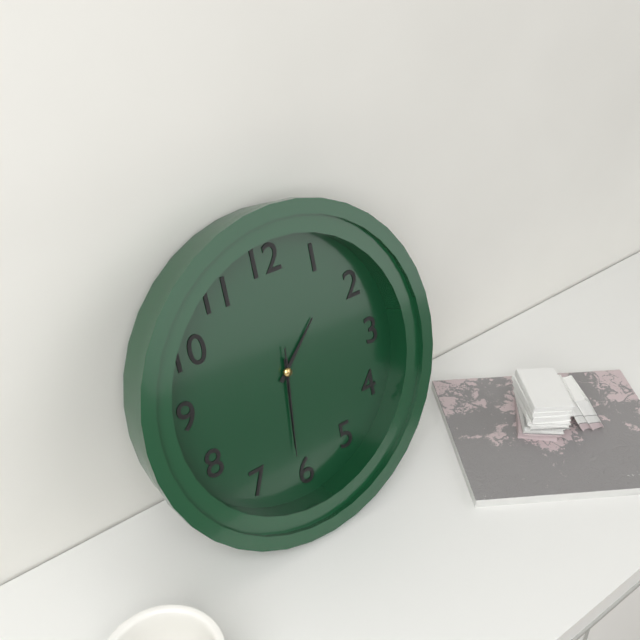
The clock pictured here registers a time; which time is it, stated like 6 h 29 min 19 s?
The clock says 1 h 31 min 31 s
